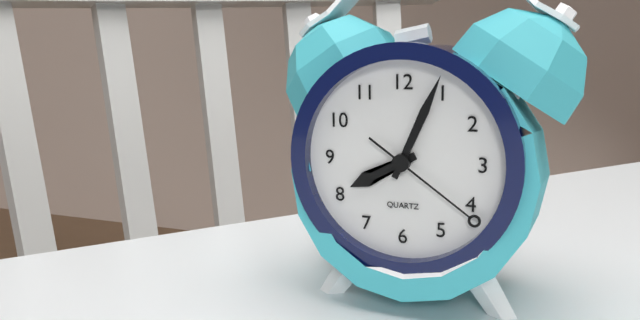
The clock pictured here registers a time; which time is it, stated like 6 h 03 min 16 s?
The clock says 8 h 04 min 21 s
